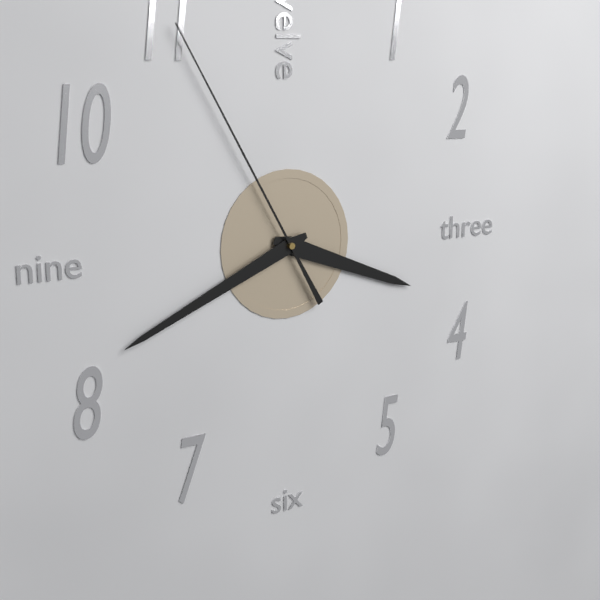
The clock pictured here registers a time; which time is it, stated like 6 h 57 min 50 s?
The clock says 3 h 41 min 55 s
